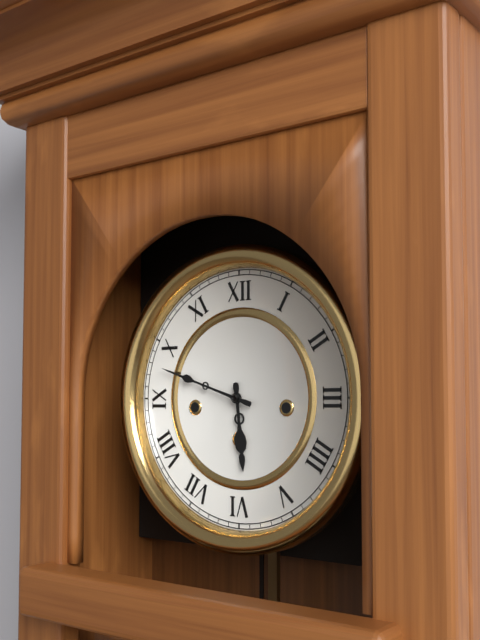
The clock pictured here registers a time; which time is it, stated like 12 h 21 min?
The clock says 5 h 48 min
